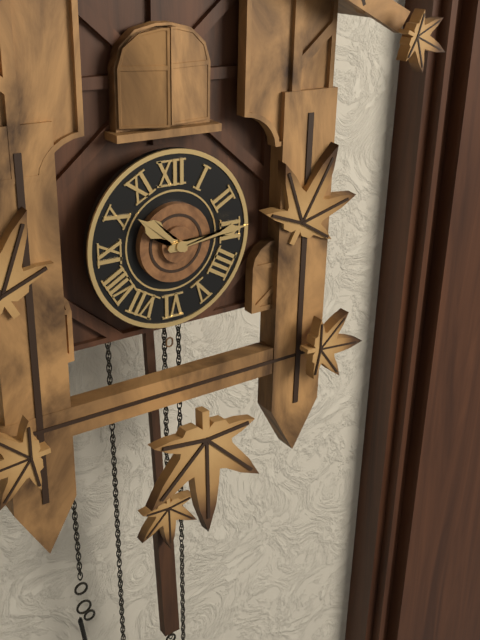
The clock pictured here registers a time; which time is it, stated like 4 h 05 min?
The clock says 10 h 14 min
